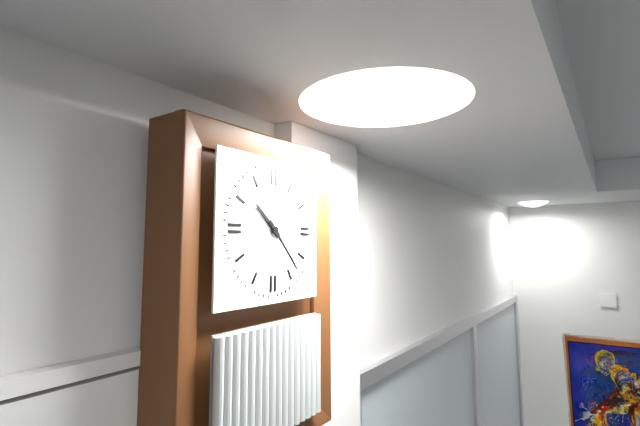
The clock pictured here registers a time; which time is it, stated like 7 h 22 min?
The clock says 10 h 23 min
